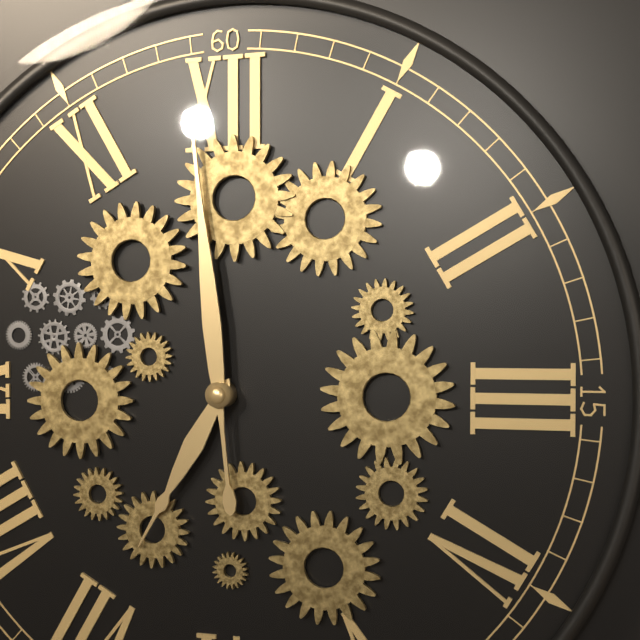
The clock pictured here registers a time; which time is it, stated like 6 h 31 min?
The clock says 6 h 59 min
